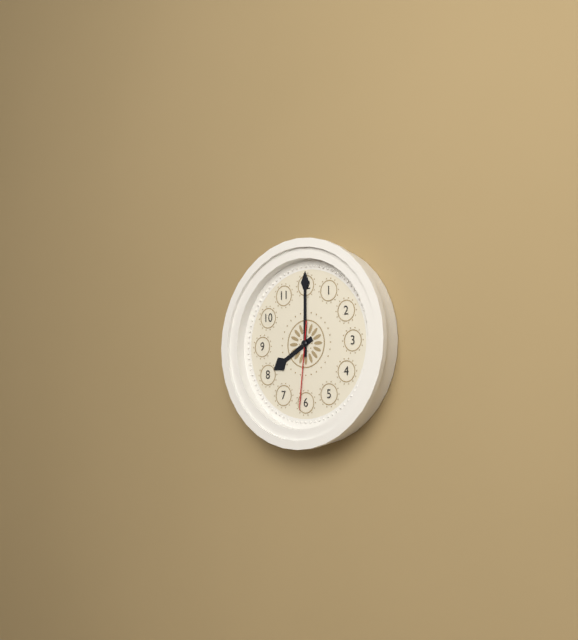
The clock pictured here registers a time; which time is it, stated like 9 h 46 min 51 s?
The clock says 8 h 00 min 31 s
